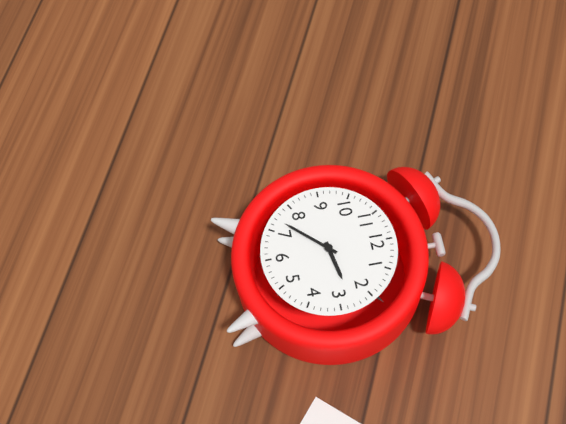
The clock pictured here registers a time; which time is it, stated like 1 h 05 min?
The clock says 2 h 37 min
